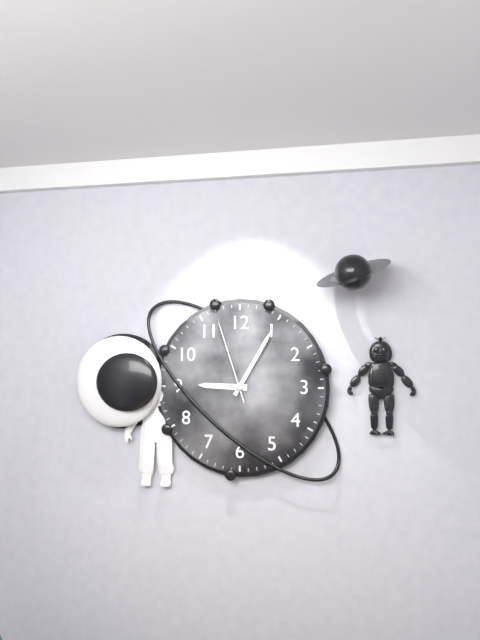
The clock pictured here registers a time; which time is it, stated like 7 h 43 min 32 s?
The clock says 9 h 05 min 57 s
